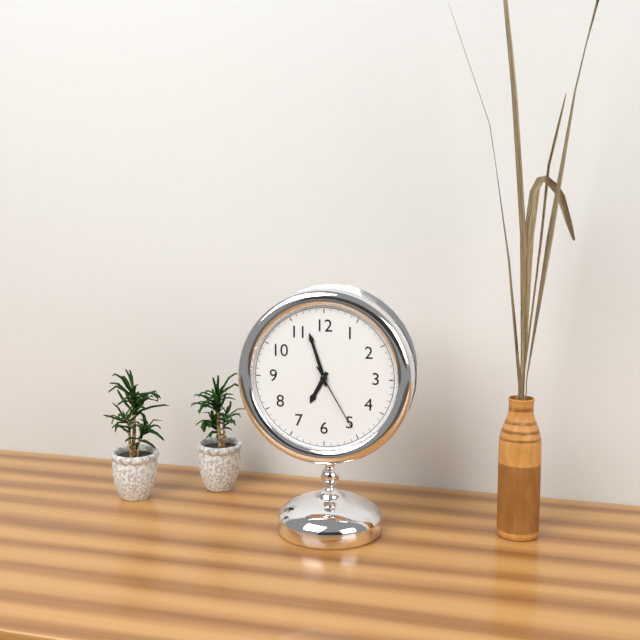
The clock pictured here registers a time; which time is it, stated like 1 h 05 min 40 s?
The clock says 6 h 57 min 25 s
